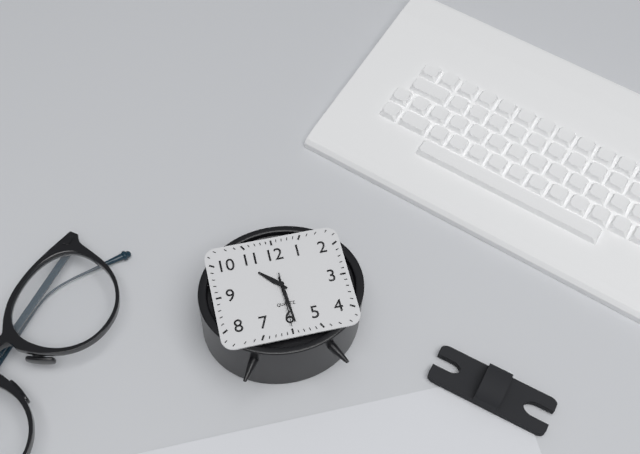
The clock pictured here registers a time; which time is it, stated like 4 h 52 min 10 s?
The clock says 10 h 29 min 30 s
